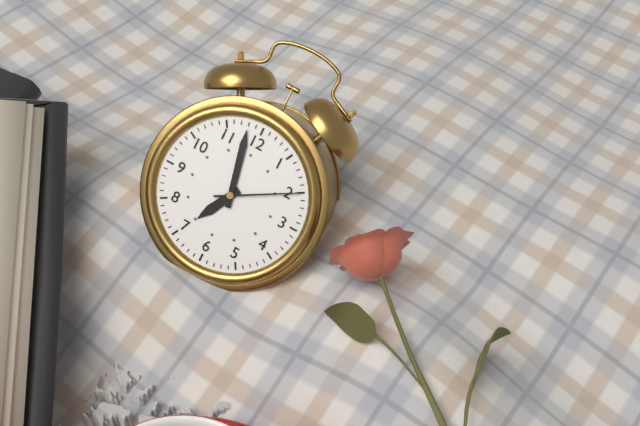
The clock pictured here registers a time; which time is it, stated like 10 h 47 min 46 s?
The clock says 6 h 58 min 10 s
